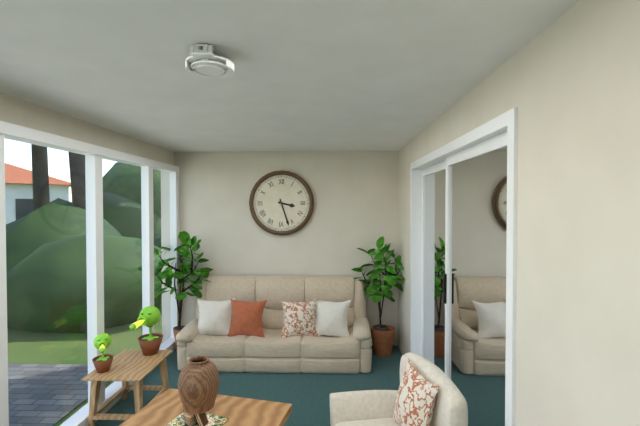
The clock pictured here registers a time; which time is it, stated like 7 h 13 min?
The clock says 3 h 27 min
